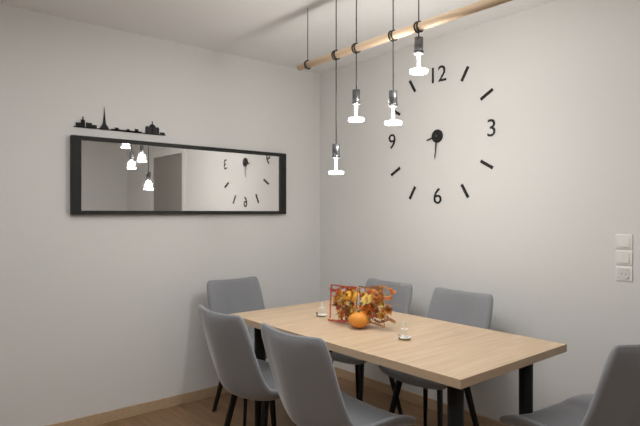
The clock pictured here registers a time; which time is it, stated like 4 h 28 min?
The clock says 8 h 31 min
